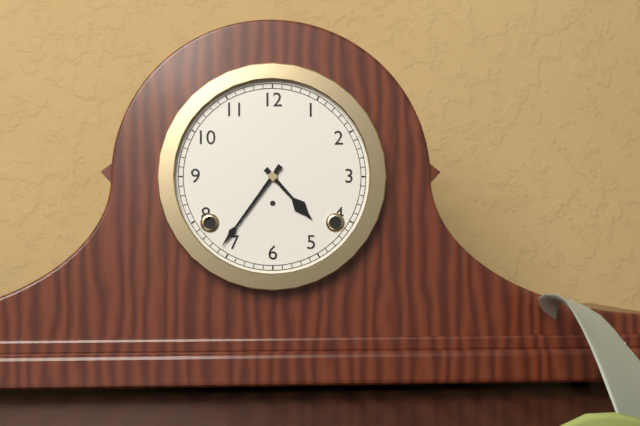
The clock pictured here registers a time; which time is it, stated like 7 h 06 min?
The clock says 4 h 36 min
